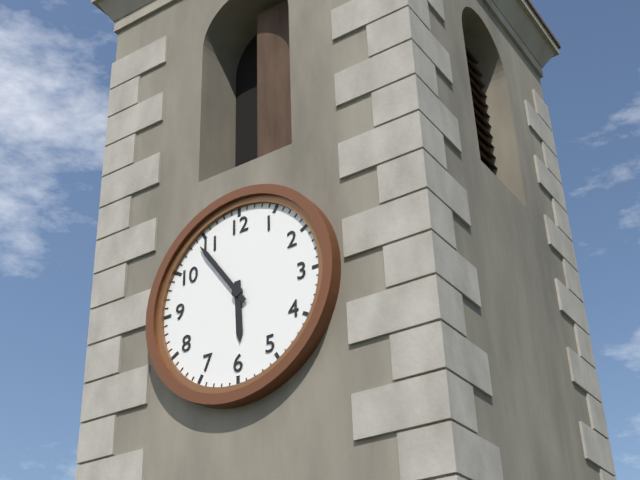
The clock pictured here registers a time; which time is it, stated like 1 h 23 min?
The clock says 5 h 54 min
